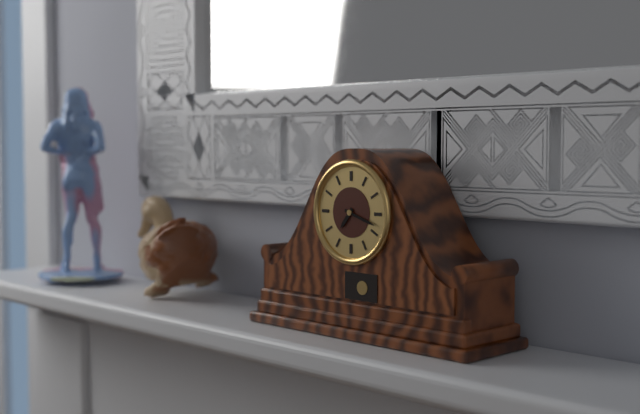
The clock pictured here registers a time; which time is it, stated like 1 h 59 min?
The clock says 7 h 18 min
